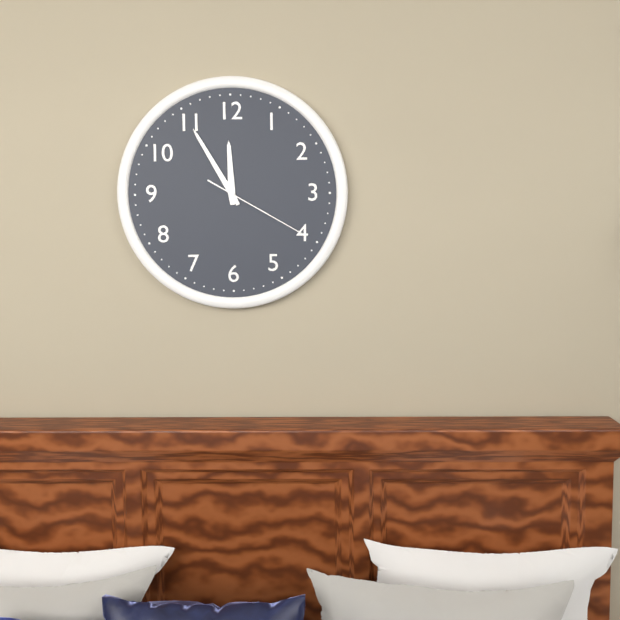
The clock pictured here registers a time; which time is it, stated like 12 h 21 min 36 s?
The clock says 11 h 55 min 20 s
